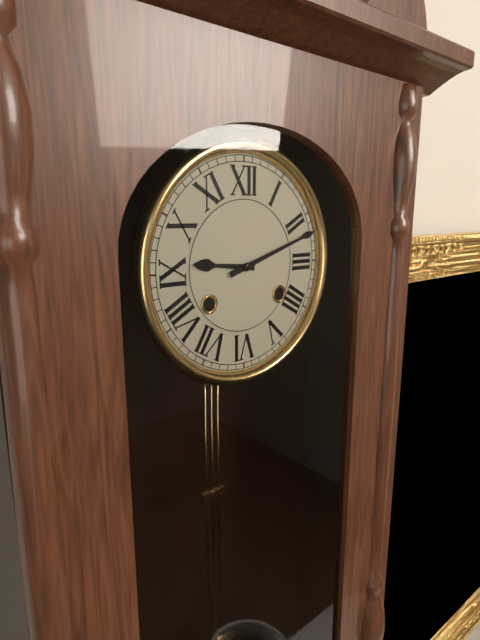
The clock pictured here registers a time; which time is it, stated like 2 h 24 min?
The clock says 9 h 12 min
